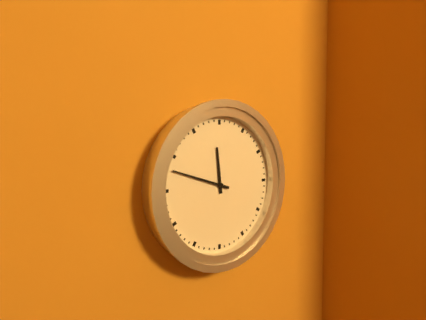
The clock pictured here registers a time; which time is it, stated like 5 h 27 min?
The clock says 11 h 48 min
